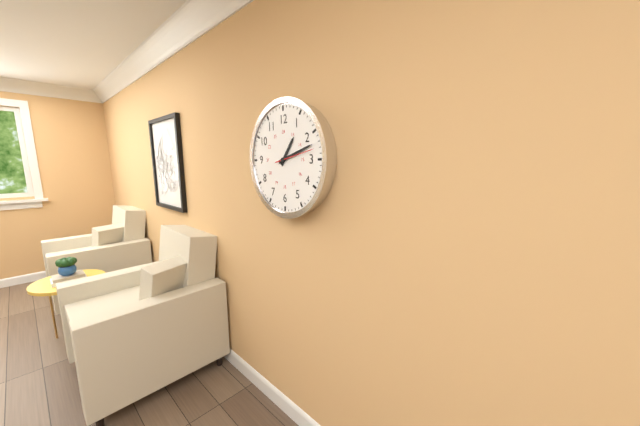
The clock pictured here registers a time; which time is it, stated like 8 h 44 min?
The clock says 1 h 12 min
